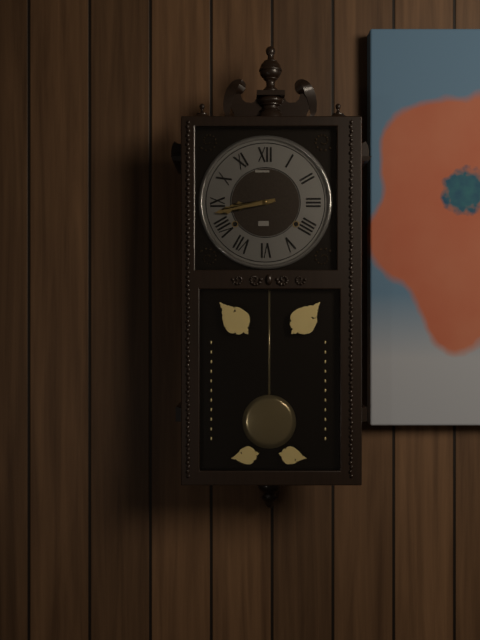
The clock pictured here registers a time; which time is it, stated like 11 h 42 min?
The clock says 8 h 43 min
